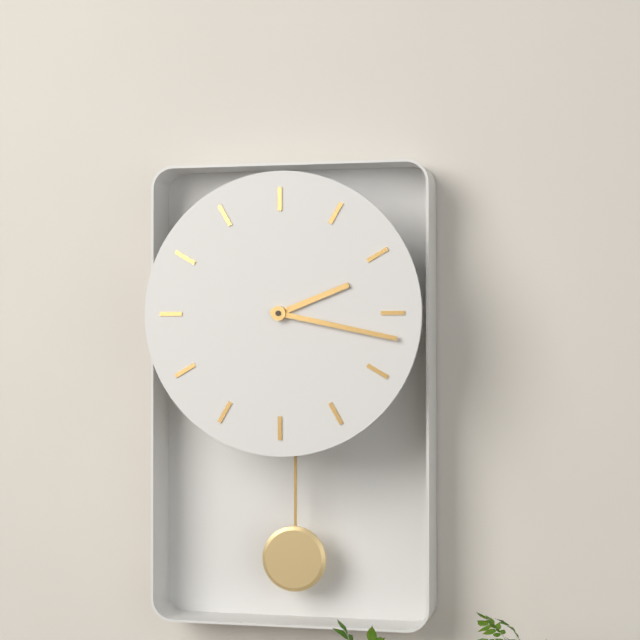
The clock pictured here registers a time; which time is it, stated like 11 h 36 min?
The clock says 2 h 17 min
